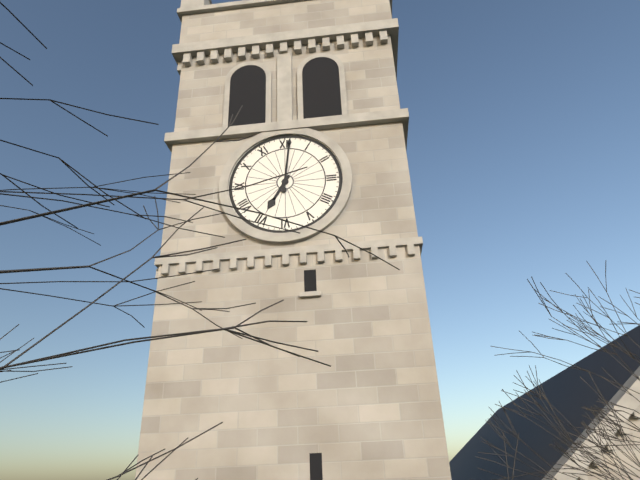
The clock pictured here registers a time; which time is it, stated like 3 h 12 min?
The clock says 7 h 01 min
